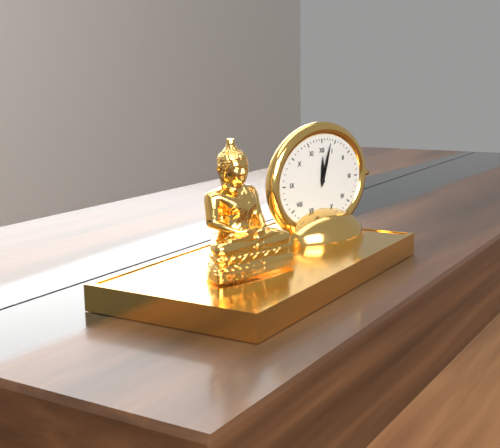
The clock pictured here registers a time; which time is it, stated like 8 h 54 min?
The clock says 12 h 03 min
